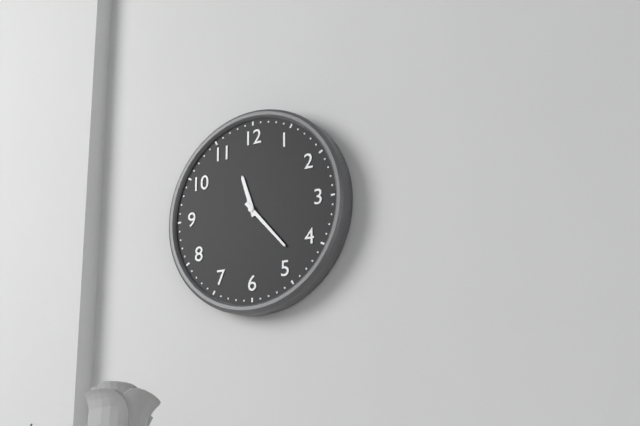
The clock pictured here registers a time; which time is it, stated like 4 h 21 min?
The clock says 11 h 23 min
